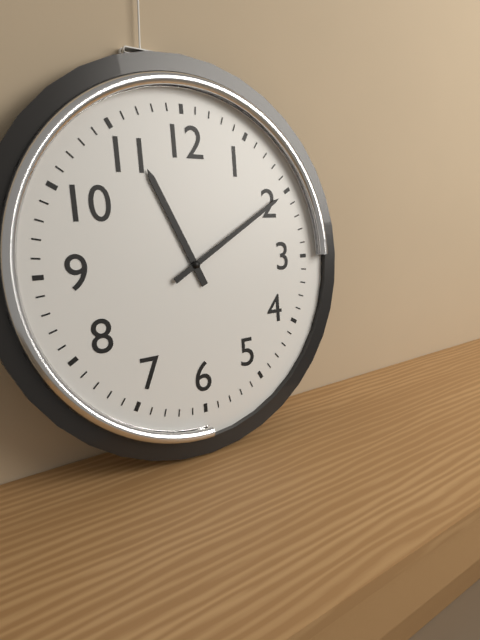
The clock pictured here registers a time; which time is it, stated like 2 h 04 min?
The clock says 11 h 10 min
